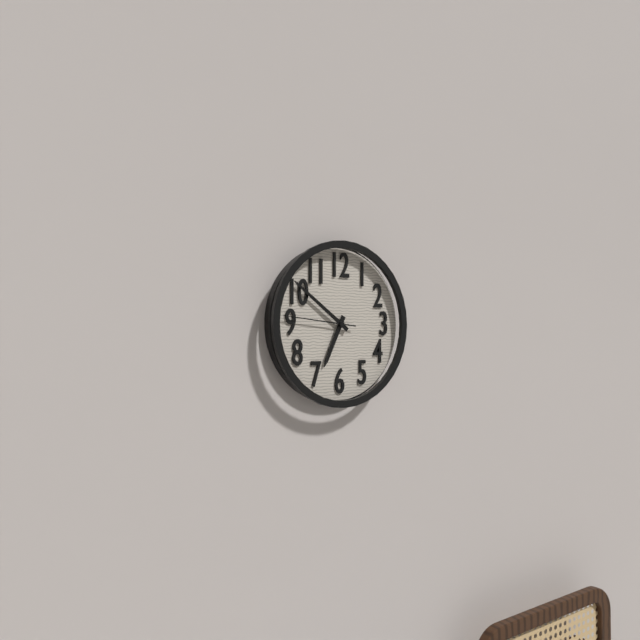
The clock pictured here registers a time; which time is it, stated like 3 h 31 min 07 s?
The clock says 6 h 51 min 46 s
